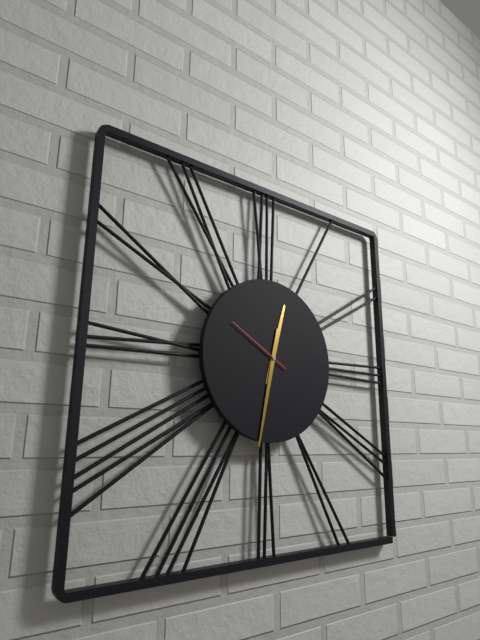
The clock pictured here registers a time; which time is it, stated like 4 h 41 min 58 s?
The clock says 12 h 32 min 50 s
